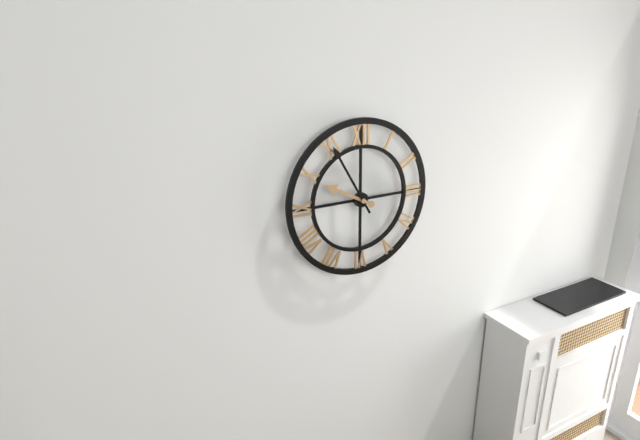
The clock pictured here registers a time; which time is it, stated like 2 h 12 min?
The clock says 9 h 55 min
